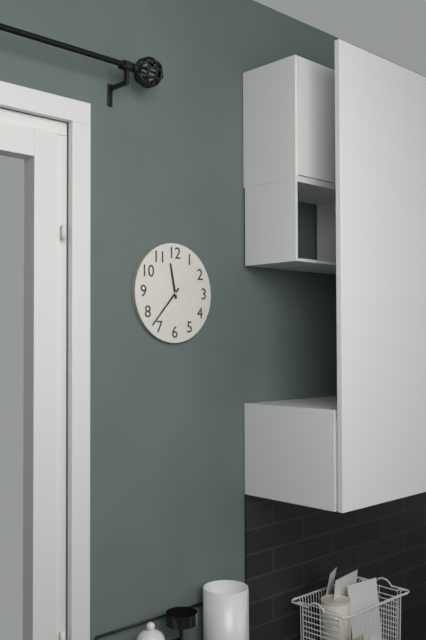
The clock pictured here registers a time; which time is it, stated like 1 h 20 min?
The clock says 11 h 37 min
